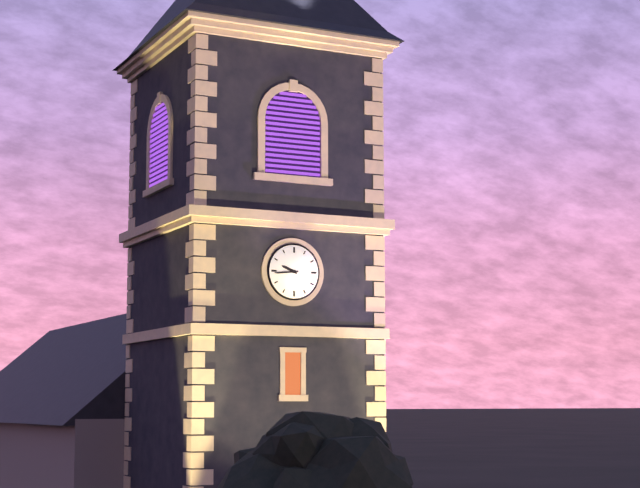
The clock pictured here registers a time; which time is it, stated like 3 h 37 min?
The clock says 9 h 44 min
